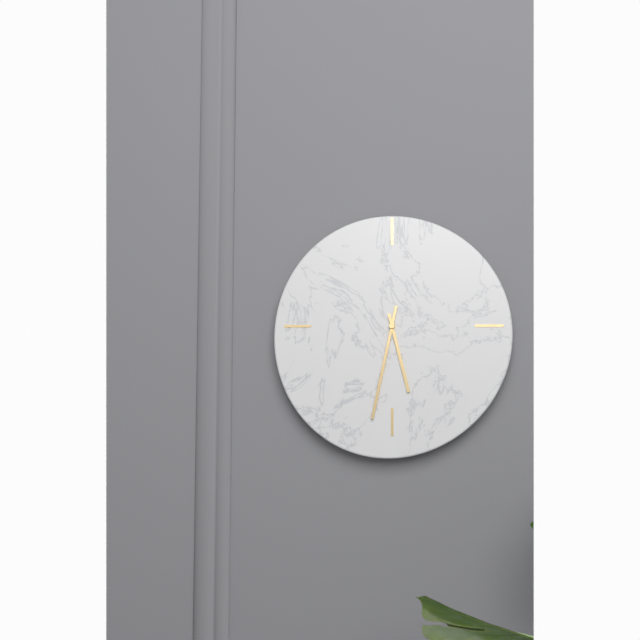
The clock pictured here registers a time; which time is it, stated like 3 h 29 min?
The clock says 5 h 32 min
